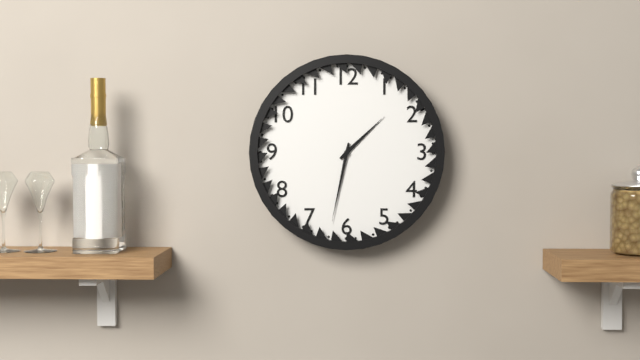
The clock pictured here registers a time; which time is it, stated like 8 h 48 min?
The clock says 1 h 32 min
